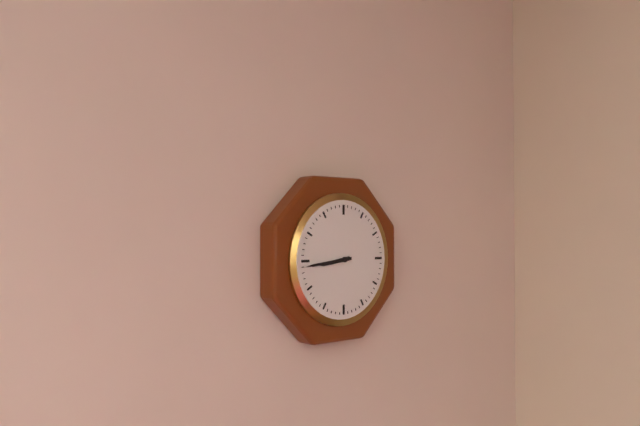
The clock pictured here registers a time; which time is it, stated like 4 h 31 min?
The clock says 8 h 44 min
